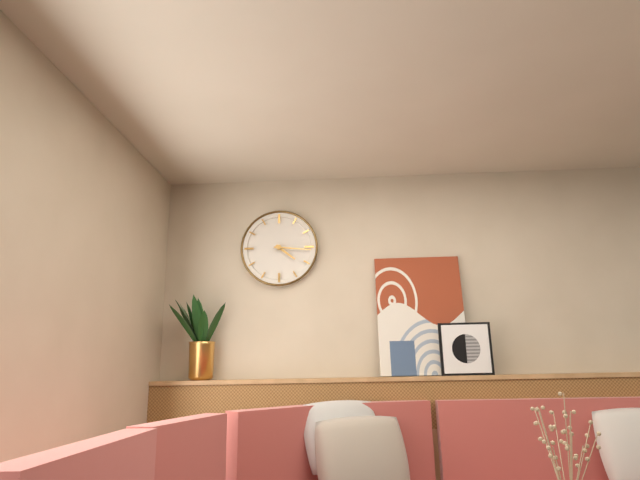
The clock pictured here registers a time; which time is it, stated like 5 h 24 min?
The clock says 4 h 16 min
